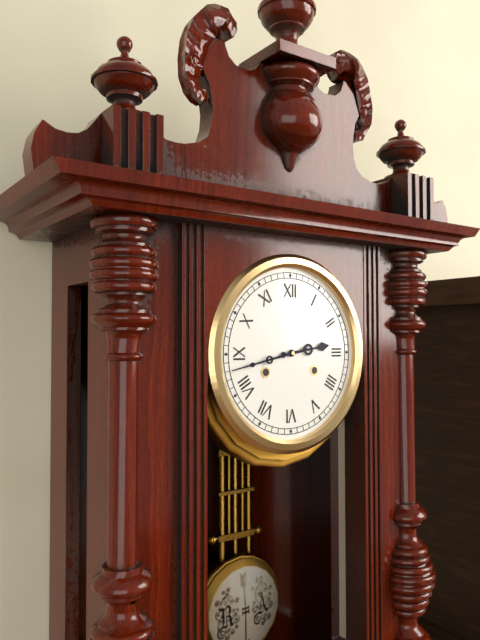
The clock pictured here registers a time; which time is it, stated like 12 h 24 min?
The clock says 2 h 43 min
